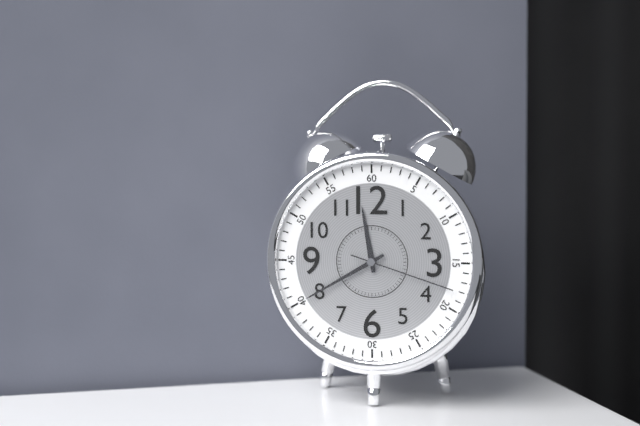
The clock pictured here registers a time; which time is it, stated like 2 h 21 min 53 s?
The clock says 11 h 40 min 18 s
